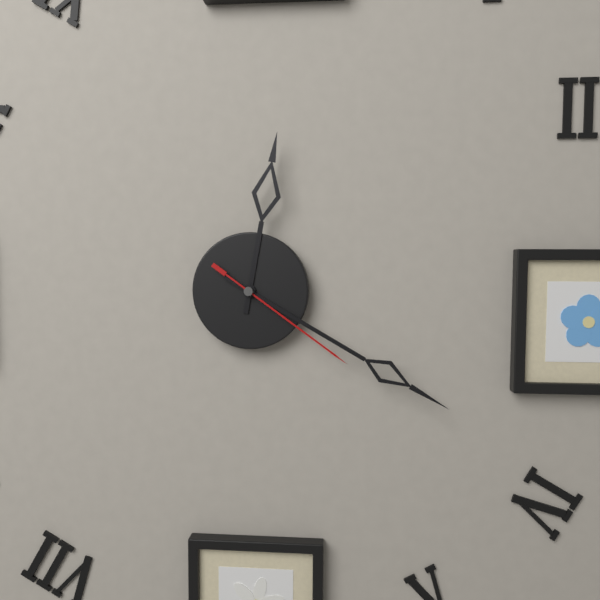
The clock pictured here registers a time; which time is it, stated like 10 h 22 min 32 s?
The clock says 12 h 20 min 21 s
